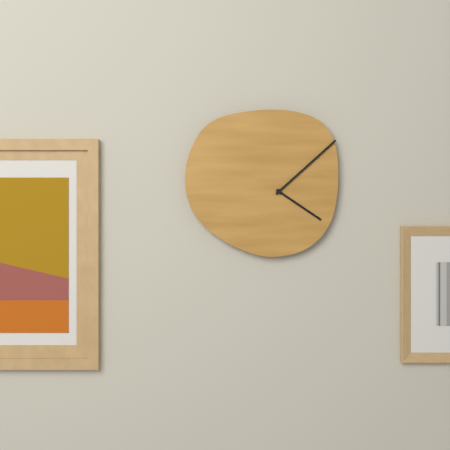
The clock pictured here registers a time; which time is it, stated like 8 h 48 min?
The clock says 4 h 08 min
